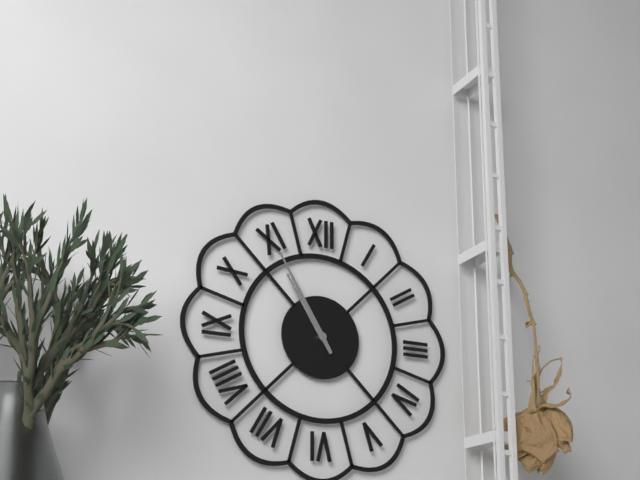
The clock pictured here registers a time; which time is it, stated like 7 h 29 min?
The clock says 10 h 55 min
